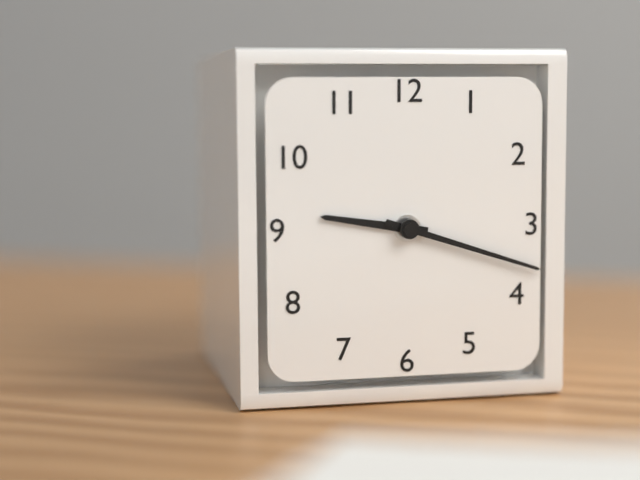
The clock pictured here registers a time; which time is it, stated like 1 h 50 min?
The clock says 9 h 18 min
